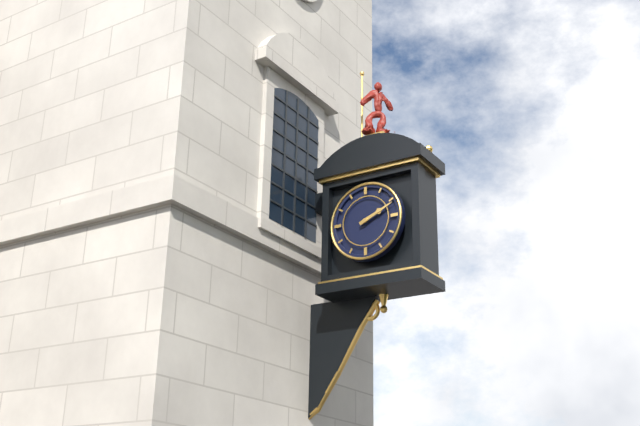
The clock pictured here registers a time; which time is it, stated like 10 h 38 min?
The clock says 2 h 11 min
